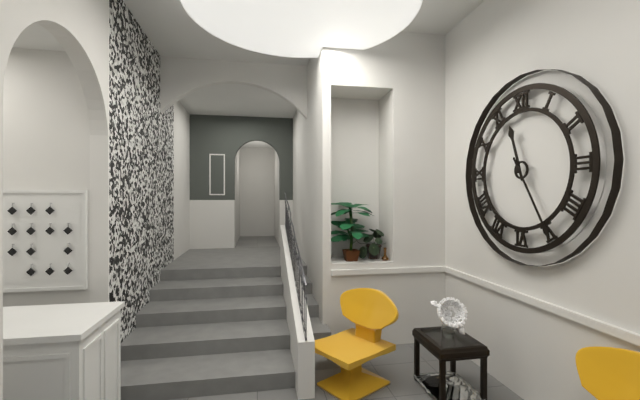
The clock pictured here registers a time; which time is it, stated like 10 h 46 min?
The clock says 11 h 25 min
